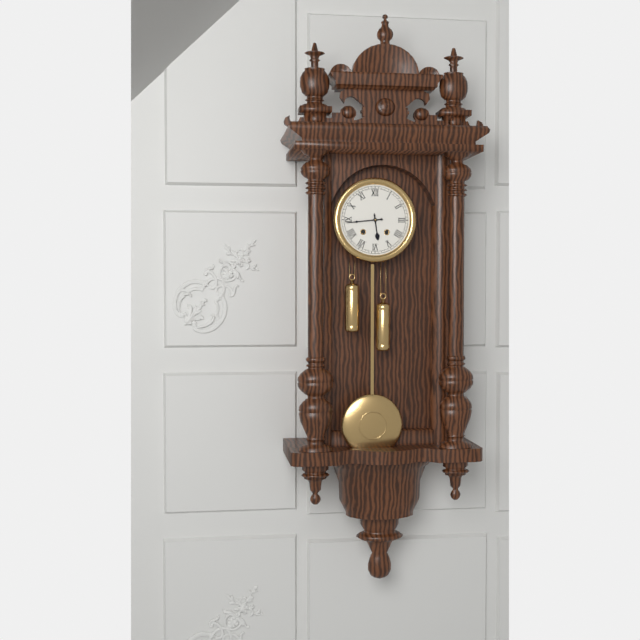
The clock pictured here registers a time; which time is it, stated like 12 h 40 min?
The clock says 5 h 44 min
